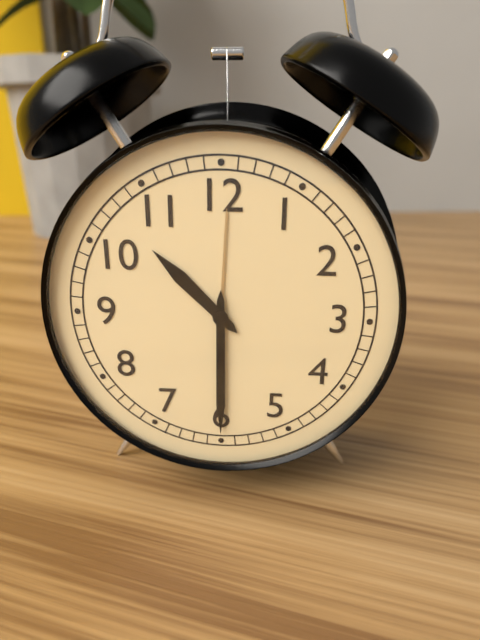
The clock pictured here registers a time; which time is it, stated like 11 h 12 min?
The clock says 10 h 30 min
